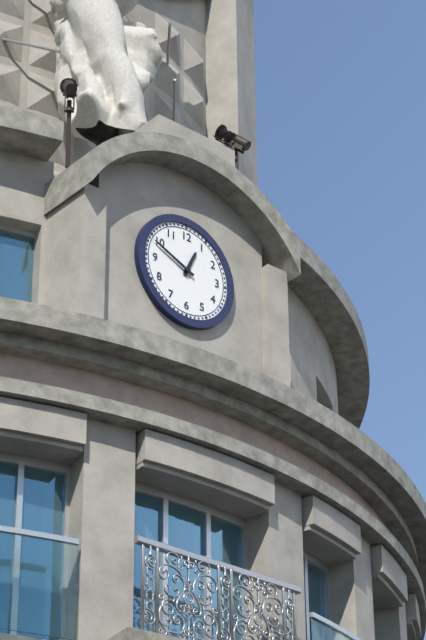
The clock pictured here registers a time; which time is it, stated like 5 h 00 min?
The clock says 12 h 49 min
